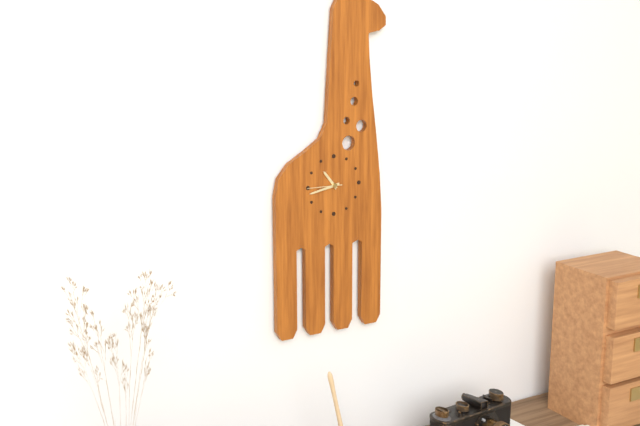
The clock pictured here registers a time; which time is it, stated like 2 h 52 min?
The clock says 10 h 43 min
